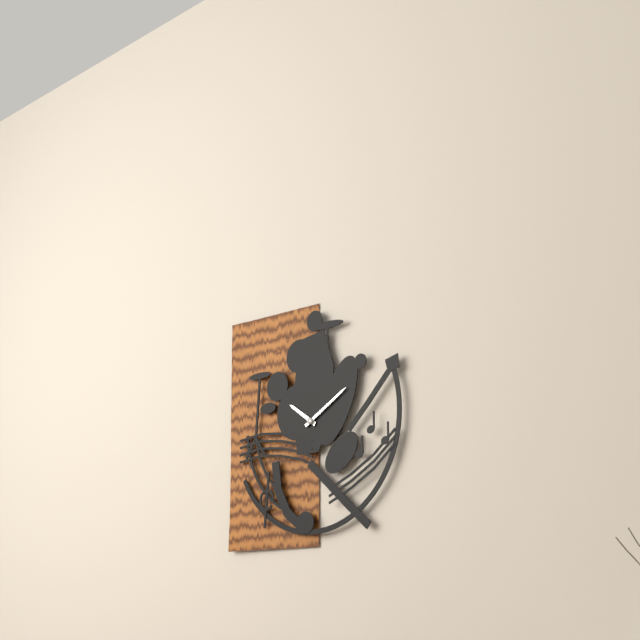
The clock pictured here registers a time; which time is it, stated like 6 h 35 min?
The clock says 10 h 10 min
